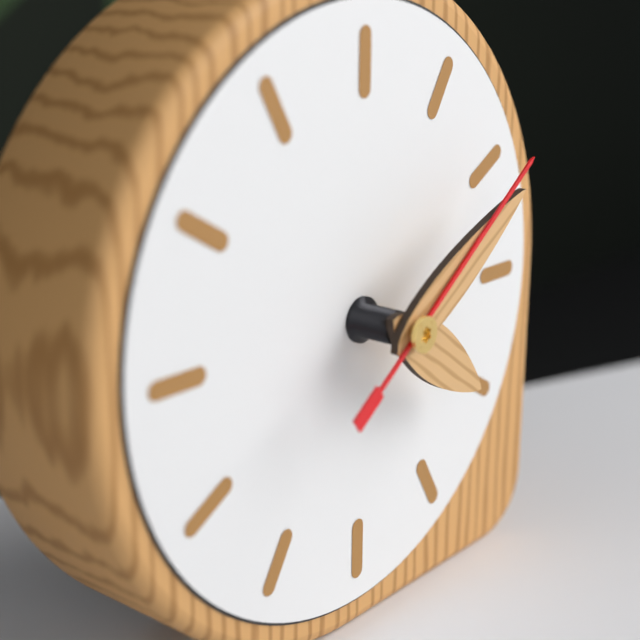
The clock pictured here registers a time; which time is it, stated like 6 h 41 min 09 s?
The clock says 4 h 10 min 09 s
